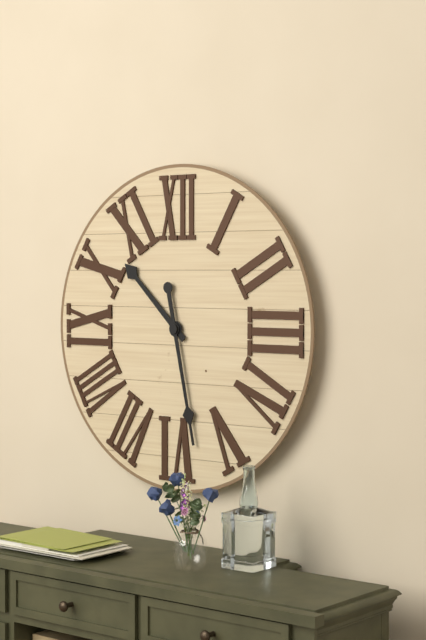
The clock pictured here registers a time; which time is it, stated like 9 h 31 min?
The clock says 10 h 28 min
